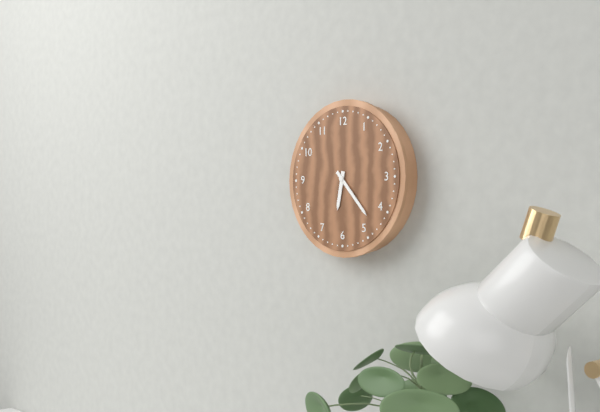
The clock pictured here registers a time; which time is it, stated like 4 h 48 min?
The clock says 6 h 23 min
